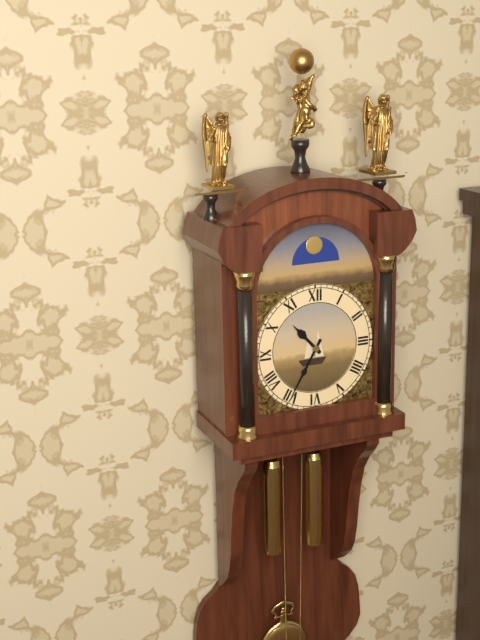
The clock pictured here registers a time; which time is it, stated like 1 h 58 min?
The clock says 10 h 35 min
